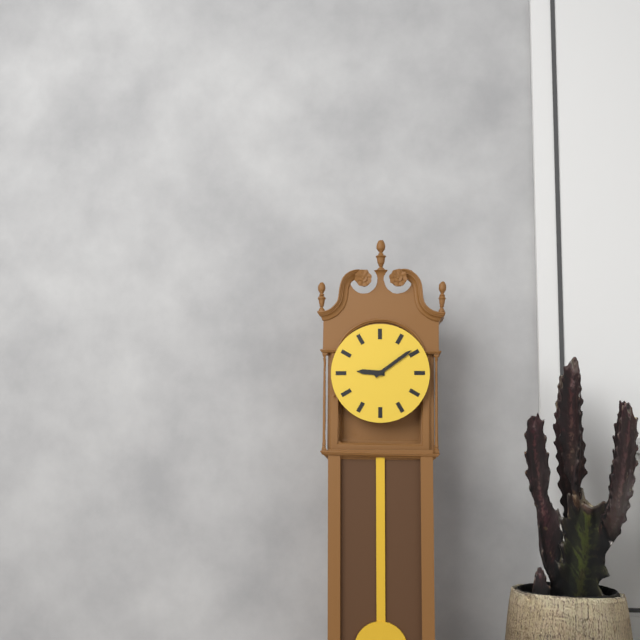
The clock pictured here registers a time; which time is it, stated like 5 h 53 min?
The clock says 9 h 09 min
